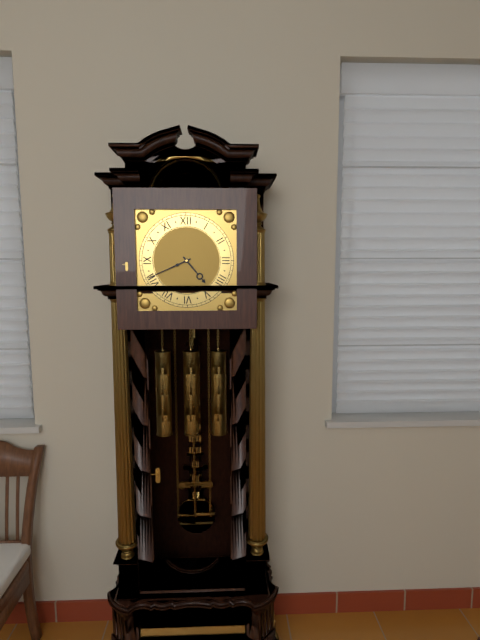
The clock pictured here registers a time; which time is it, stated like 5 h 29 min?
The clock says 4 h 41 min
